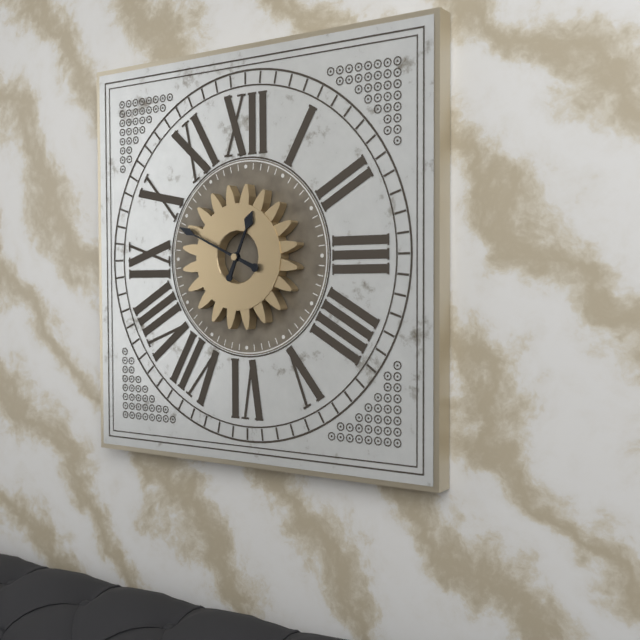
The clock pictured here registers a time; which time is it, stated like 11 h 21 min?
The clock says 12 h 49 min
